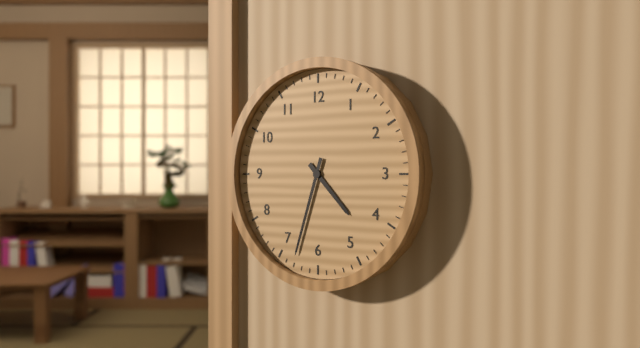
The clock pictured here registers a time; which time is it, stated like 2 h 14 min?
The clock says 4 h 33 min
